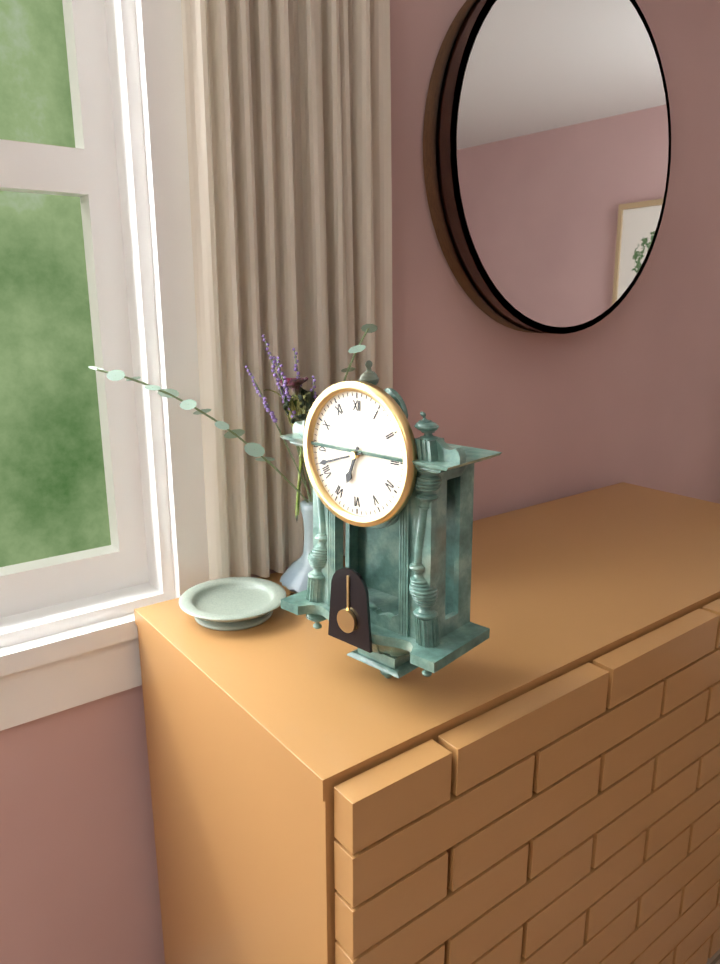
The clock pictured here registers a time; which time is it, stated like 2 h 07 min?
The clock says 6 h 42 min
